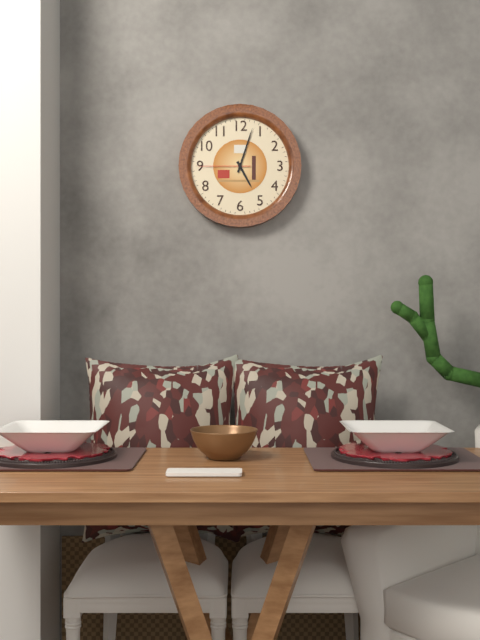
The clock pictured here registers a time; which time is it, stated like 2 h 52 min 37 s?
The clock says 5 h 03 min 45 s
